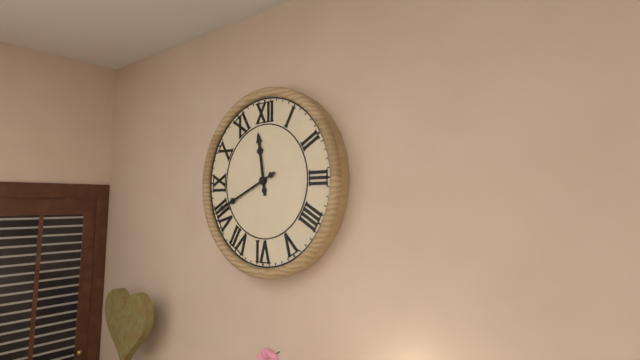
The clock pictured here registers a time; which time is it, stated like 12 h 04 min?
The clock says 11 h 41 min
